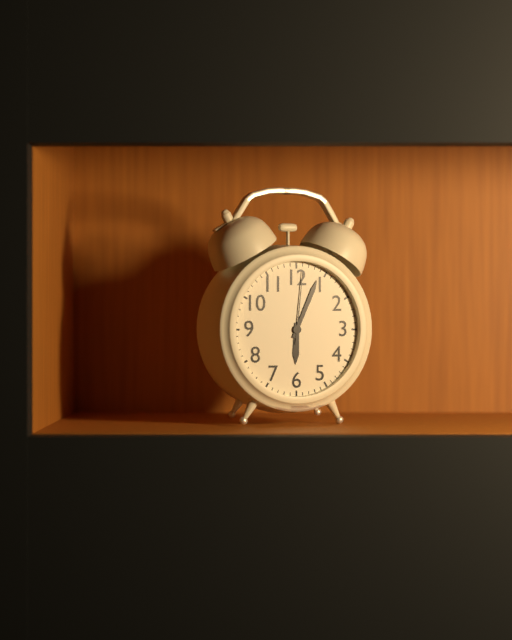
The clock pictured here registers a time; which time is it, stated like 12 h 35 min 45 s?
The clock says 6 h 04 min 01 s
